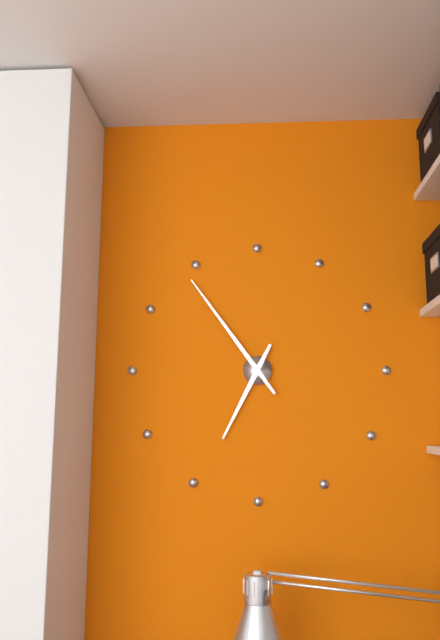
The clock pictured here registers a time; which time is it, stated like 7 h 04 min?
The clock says 6 h 54 min
